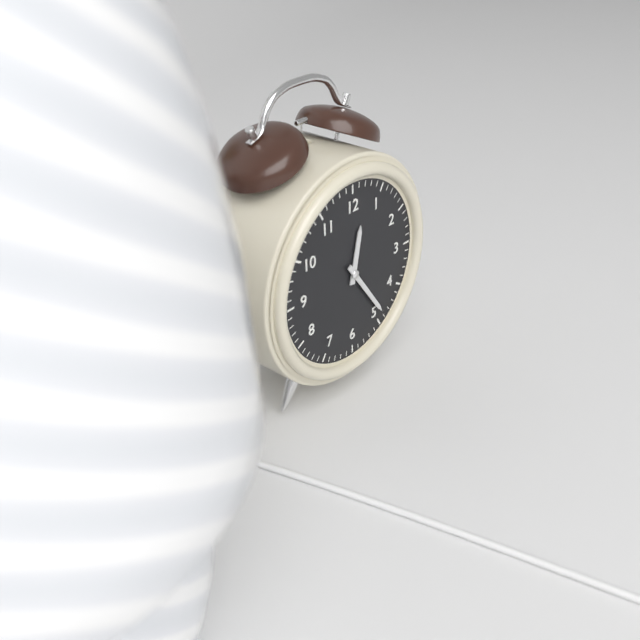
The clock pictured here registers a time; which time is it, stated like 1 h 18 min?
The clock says 12 h 24 min
